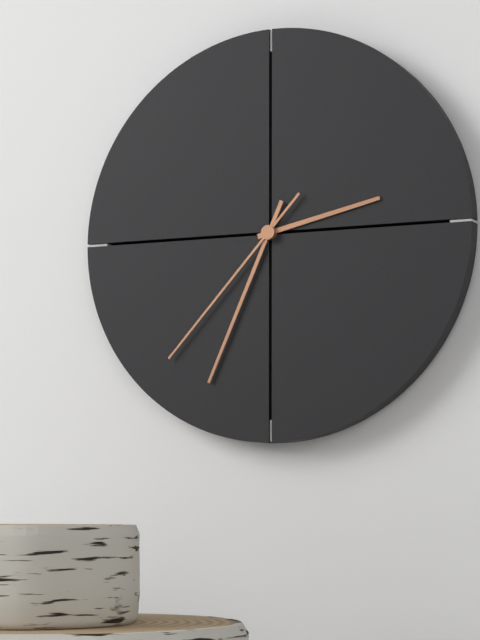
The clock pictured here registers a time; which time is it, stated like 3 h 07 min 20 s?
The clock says 2 h 34 min 37 s
